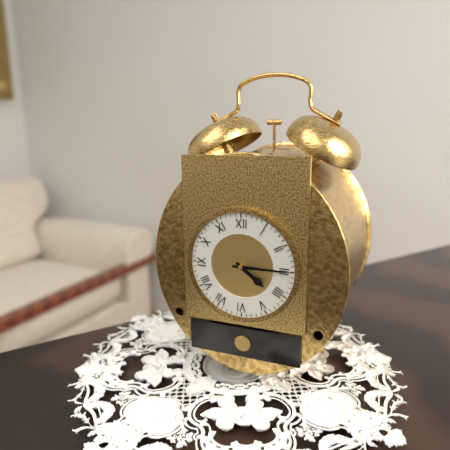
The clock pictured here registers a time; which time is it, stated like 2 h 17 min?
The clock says 4 h 15 min
